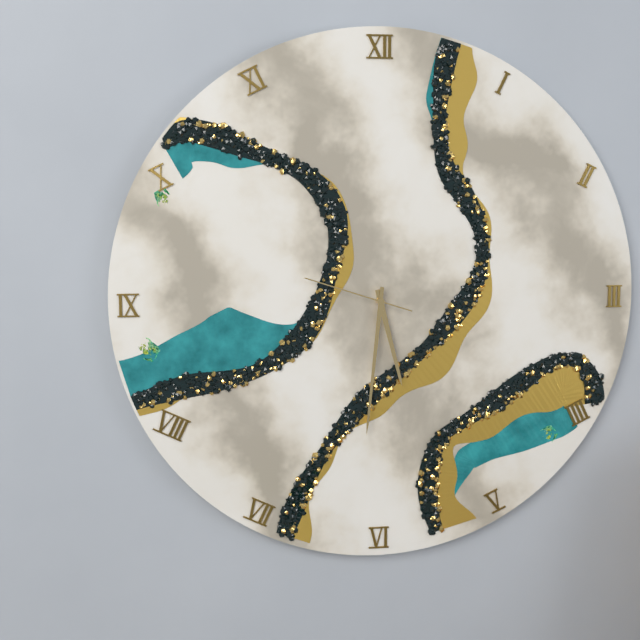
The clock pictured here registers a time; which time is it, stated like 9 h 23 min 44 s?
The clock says 5 h 31 min 48 s
